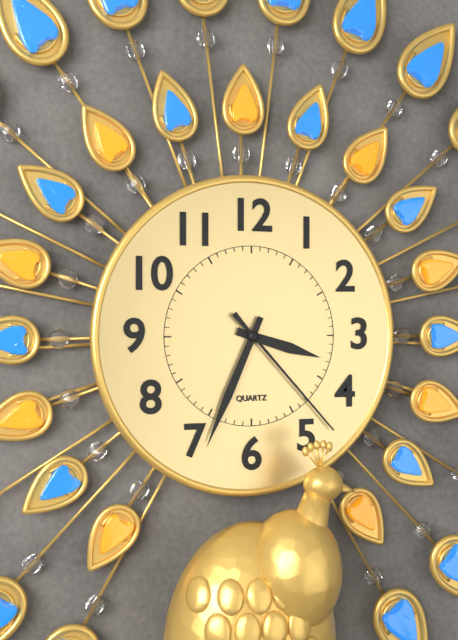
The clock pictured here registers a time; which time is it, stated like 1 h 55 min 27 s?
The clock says 3 h 34 min 23 s
